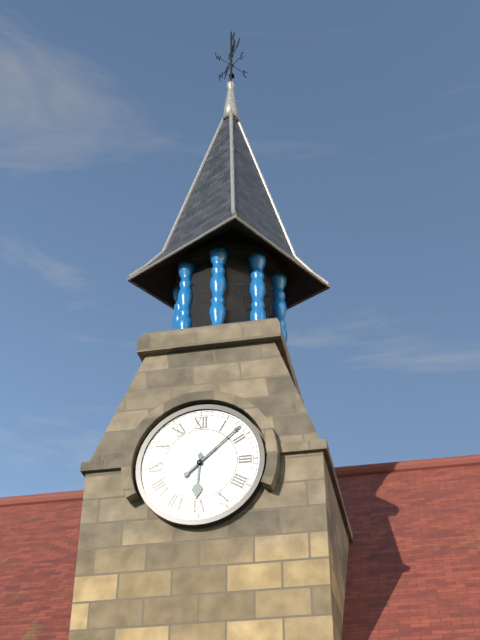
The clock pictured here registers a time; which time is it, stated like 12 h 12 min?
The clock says 6 h 08 min
